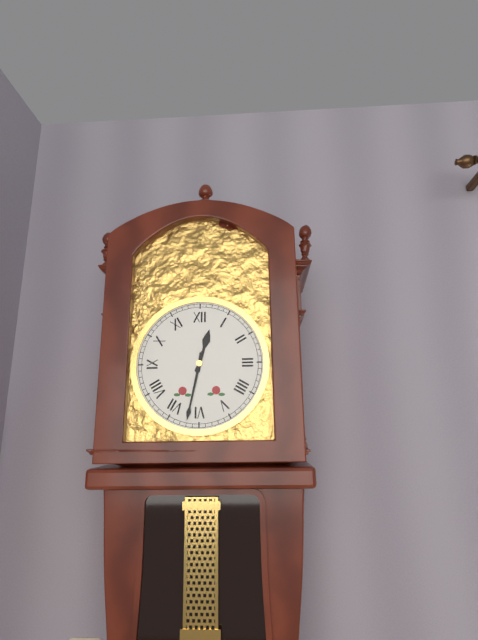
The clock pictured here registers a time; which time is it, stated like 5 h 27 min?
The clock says 12 h 32 min
